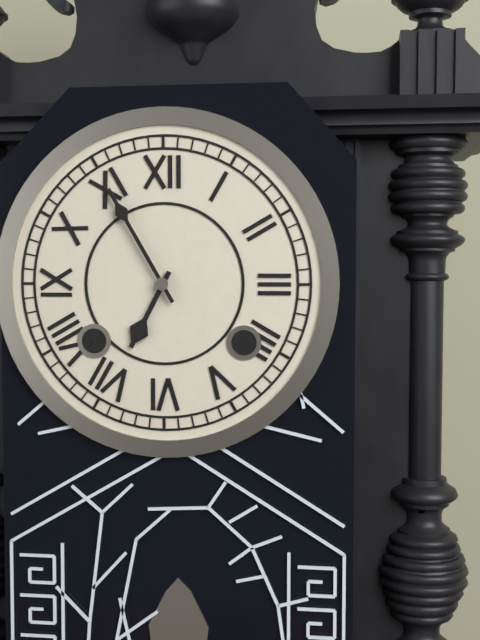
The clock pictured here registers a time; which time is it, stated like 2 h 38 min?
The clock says 6 h 55 min
